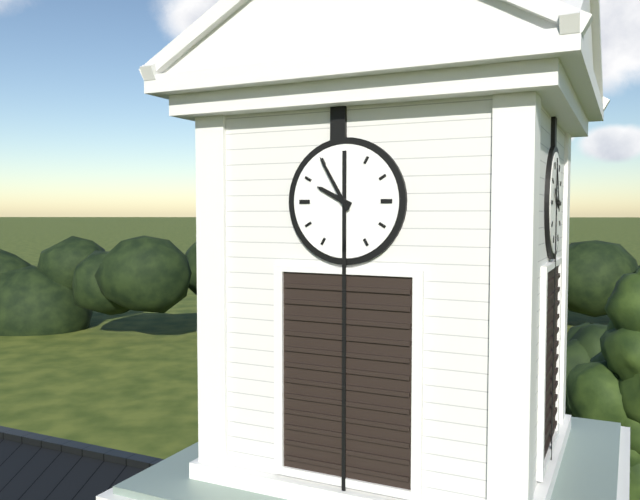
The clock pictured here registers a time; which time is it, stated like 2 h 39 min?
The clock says 9 h 55 min
